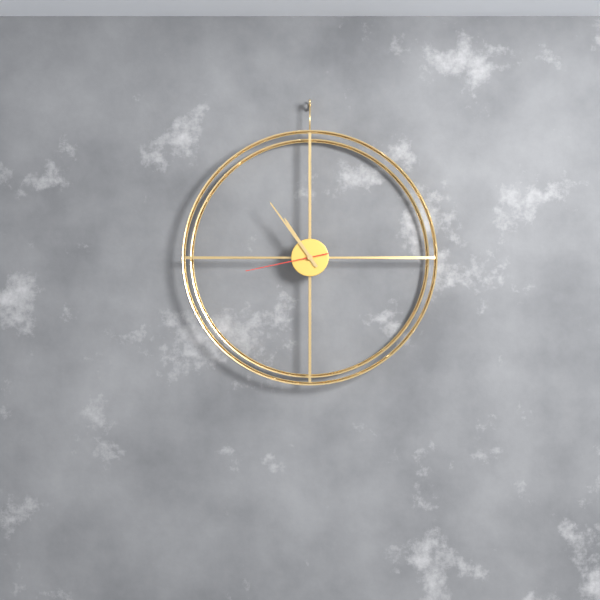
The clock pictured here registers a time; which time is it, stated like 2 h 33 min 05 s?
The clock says 10 h 54 min 43 s
